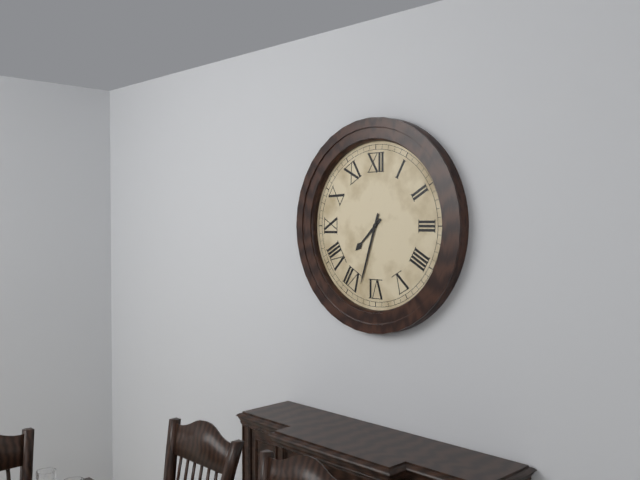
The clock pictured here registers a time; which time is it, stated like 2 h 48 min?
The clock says 7 h 33 min
